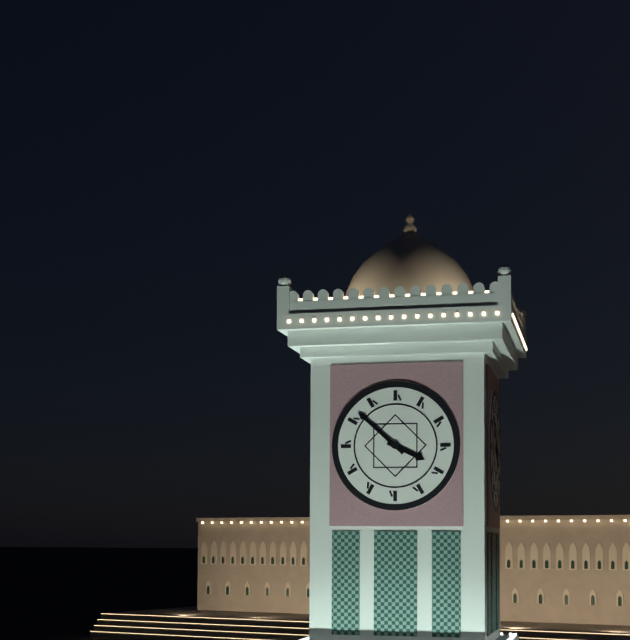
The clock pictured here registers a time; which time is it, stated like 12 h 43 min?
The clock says 3 h 52 min
